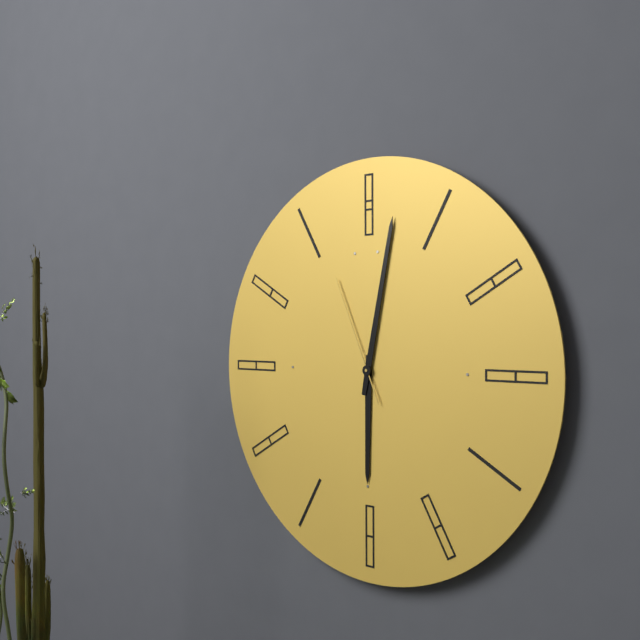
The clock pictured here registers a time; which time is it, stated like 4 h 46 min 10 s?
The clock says 6 h 02 min 56 s
